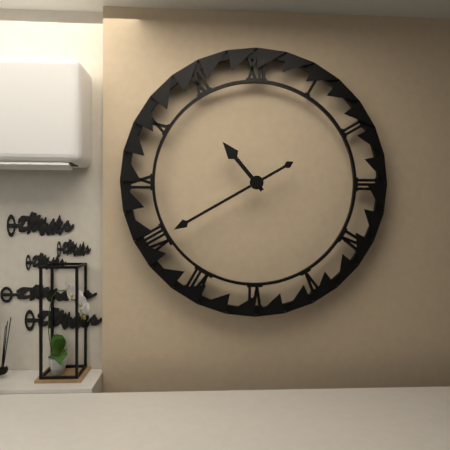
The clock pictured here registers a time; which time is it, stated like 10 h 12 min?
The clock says 10 h 40 min
